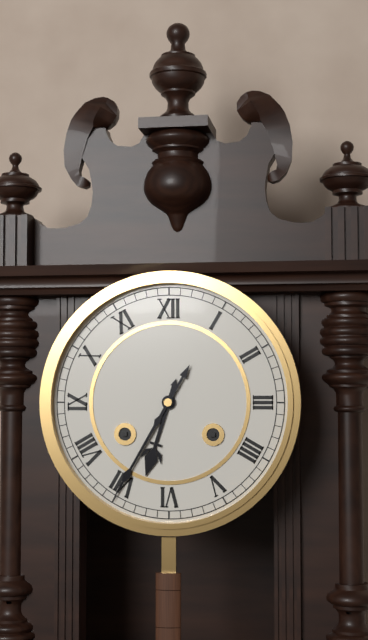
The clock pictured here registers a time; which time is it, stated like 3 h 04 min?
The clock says 6 h 35 min
